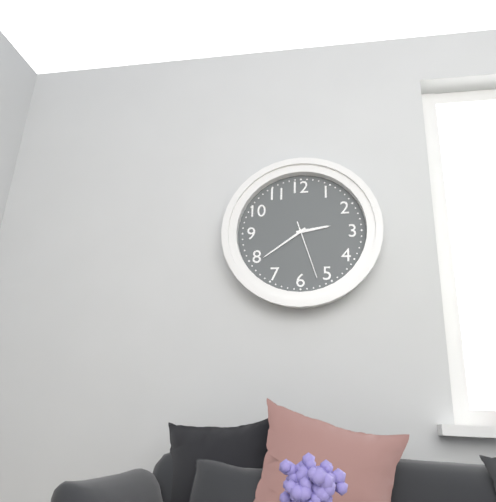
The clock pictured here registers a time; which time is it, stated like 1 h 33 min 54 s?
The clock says 2 h 39 min 27 s
